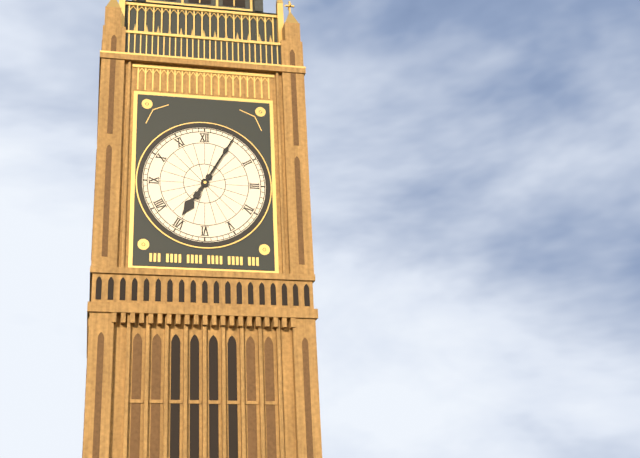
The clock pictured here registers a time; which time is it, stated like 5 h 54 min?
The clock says 7 h 05 min
